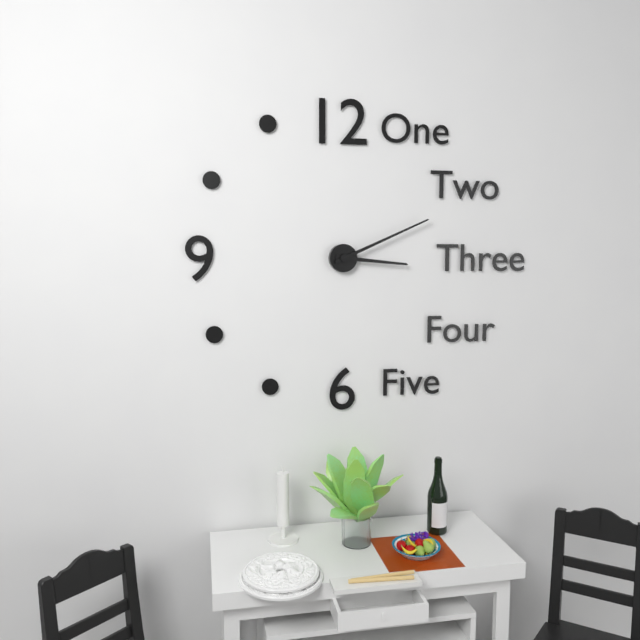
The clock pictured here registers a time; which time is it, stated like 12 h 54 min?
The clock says 3 h 11 min
